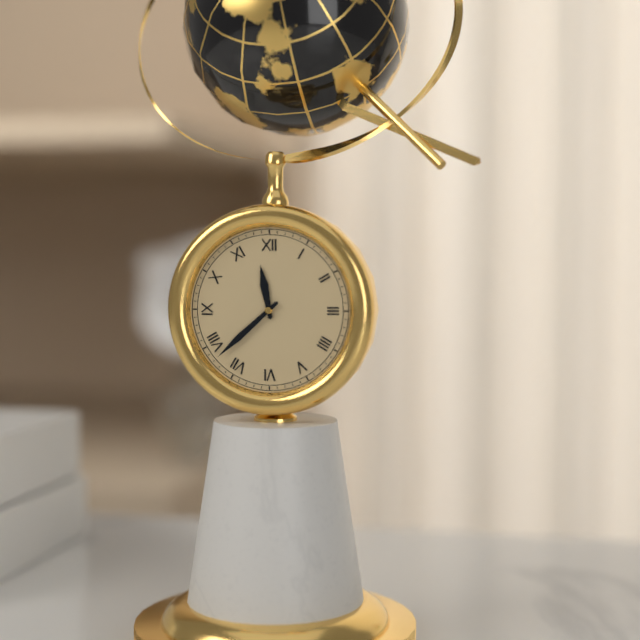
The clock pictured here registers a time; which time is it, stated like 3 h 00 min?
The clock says 11 h 38 min
